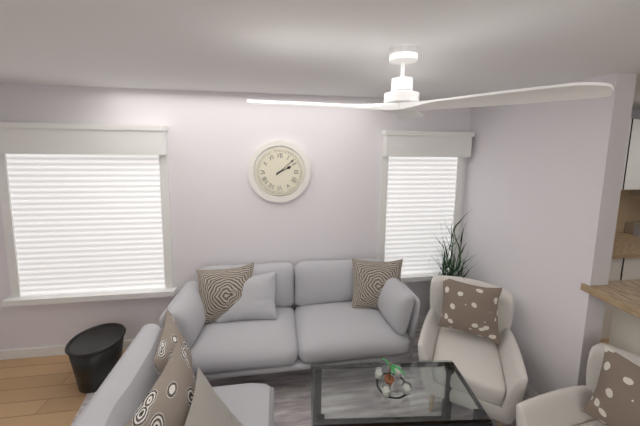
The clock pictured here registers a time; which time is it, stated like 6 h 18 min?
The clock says 2 h 08 min
